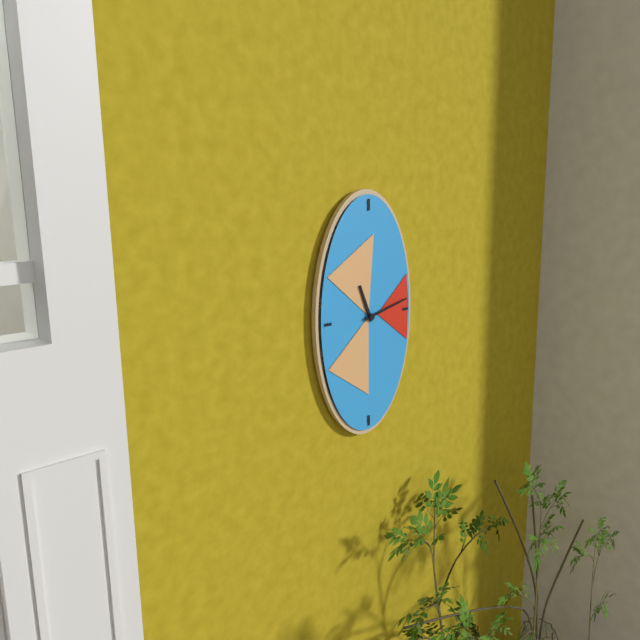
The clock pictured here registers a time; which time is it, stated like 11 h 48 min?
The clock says 11 h 13 min
